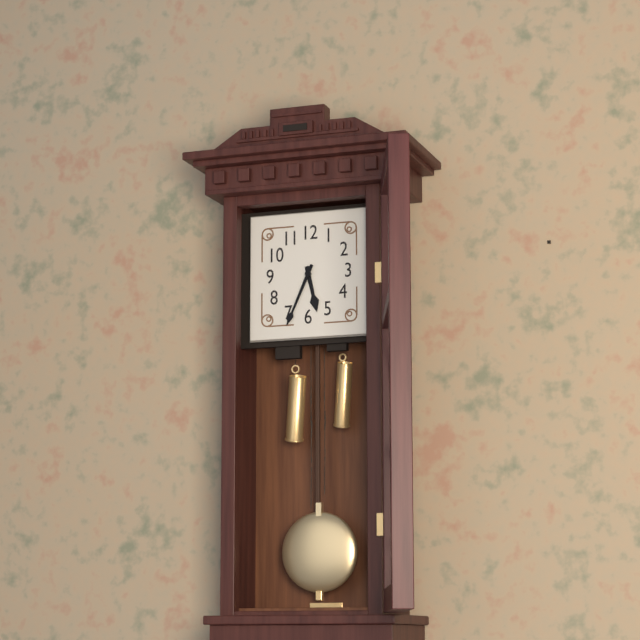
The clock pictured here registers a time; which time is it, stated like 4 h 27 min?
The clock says 5 h 34 min
